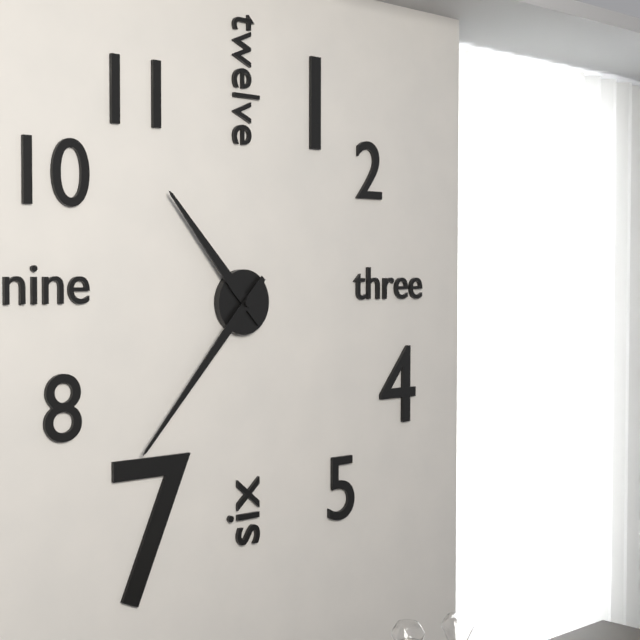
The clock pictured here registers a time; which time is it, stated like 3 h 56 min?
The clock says 10 h 37 min
